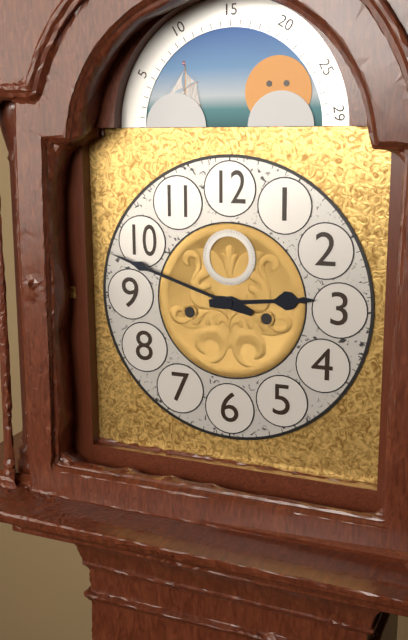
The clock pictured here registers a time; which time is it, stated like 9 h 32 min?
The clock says 2 h 48 min
